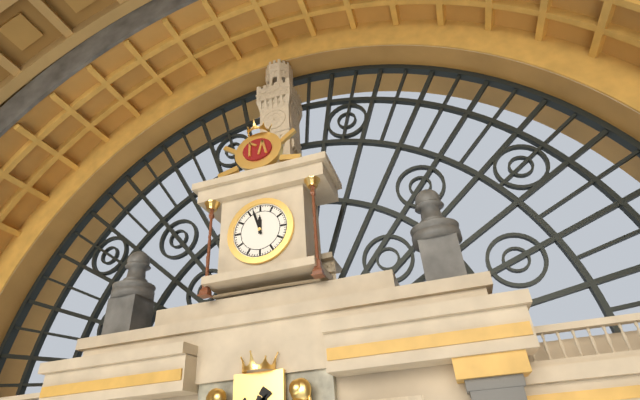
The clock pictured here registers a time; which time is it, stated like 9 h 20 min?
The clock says 11 h 57 min
